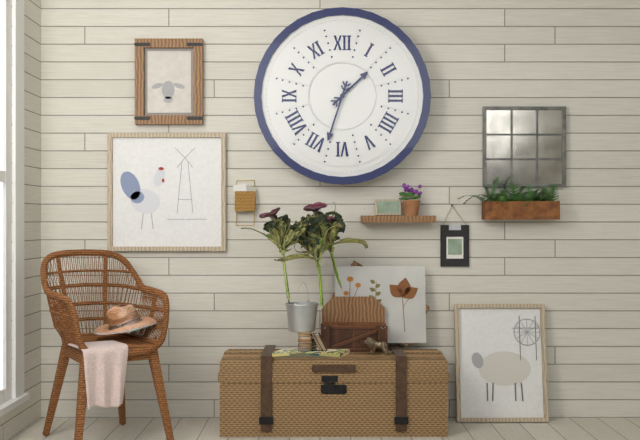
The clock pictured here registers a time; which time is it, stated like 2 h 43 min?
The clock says 1 h 33 min
